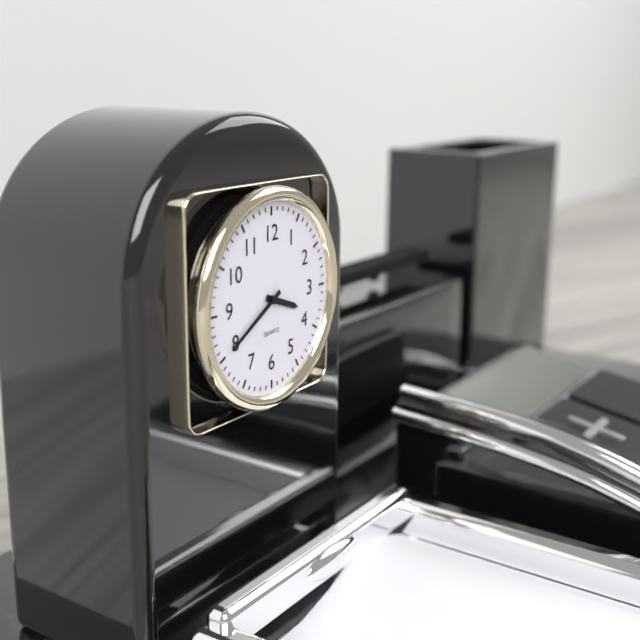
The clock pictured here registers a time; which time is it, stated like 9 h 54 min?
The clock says 3 h 40 min
